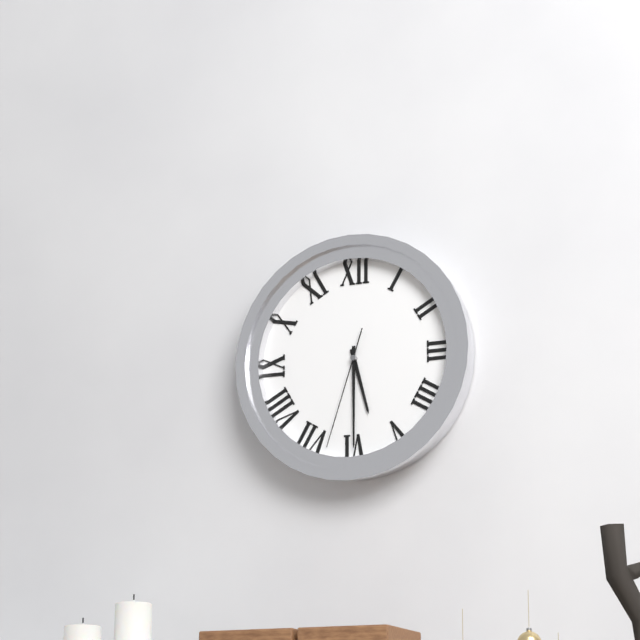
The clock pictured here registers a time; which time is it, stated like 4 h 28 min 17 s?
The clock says 5 h 30 min 33 s
